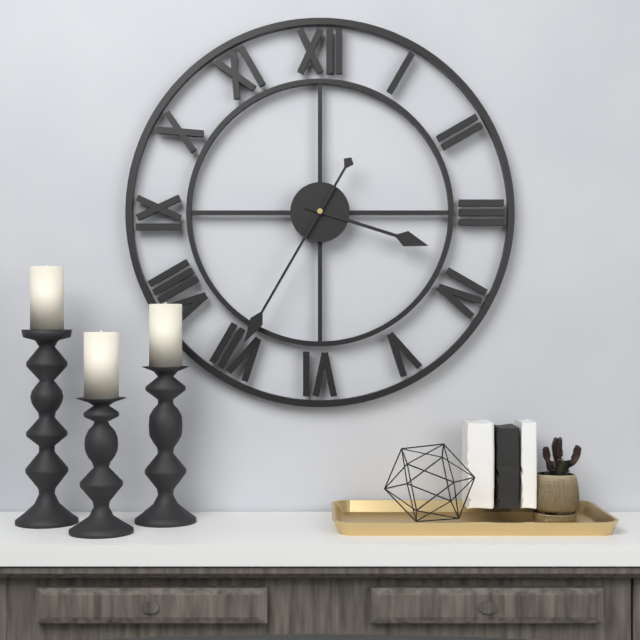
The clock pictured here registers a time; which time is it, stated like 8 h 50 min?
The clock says 3 h 35 min
